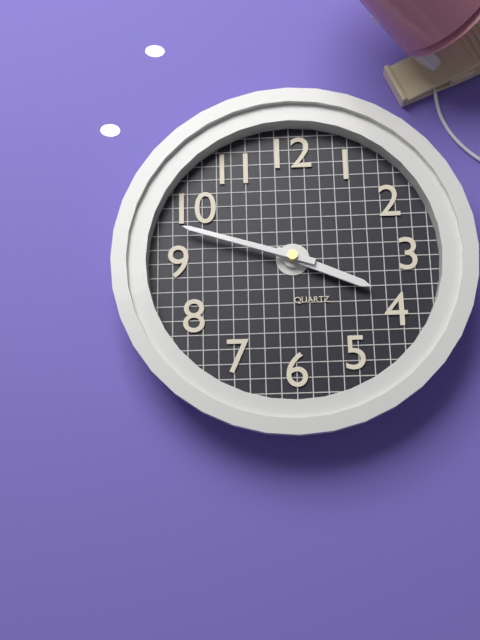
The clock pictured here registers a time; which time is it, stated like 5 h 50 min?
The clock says 3 h 48 min
